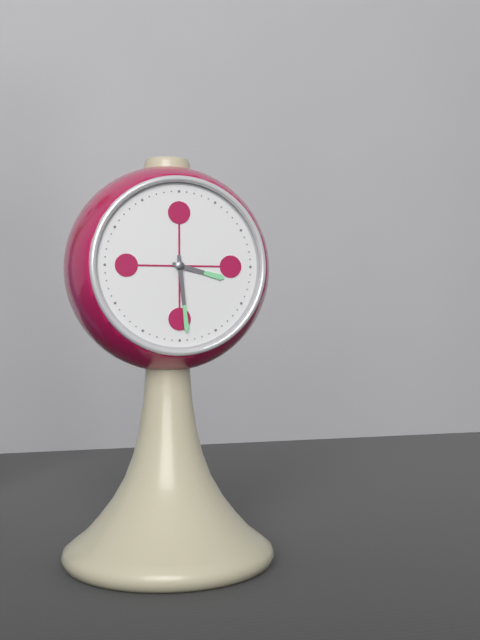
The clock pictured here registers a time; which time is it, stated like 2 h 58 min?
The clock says 3 h 29 min
